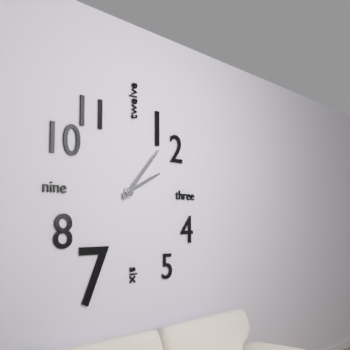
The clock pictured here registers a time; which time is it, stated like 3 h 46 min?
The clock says 2 h 07 min
